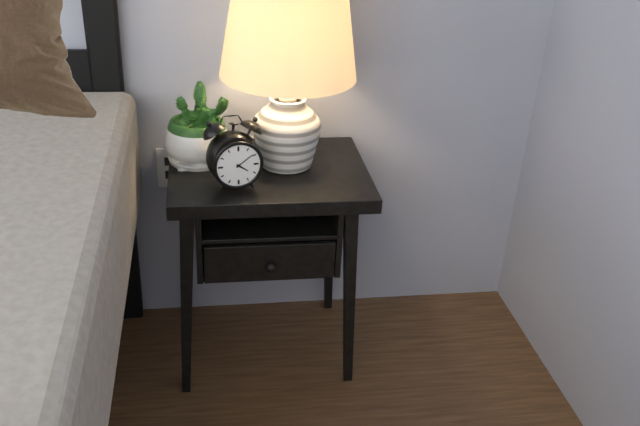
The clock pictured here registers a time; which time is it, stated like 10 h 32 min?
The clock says 4 h 09 min
